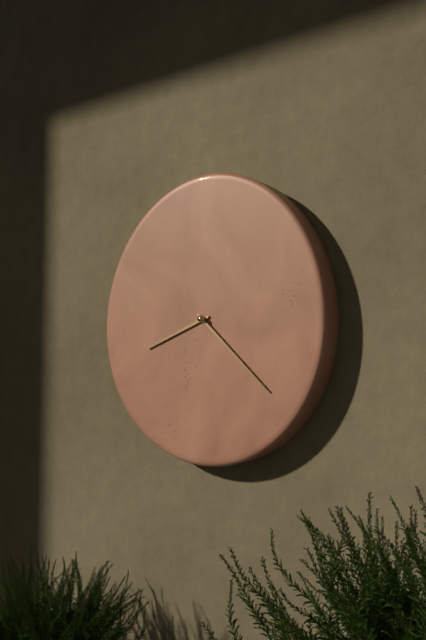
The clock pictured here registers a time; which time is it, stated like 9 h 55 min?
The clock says 8 h 22 min
